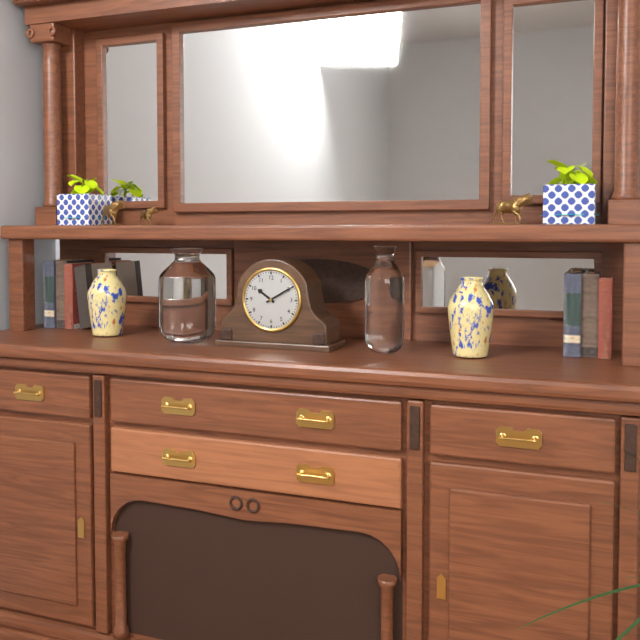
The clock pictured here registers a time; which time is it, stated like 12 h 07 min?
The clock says 10 h 10 min
